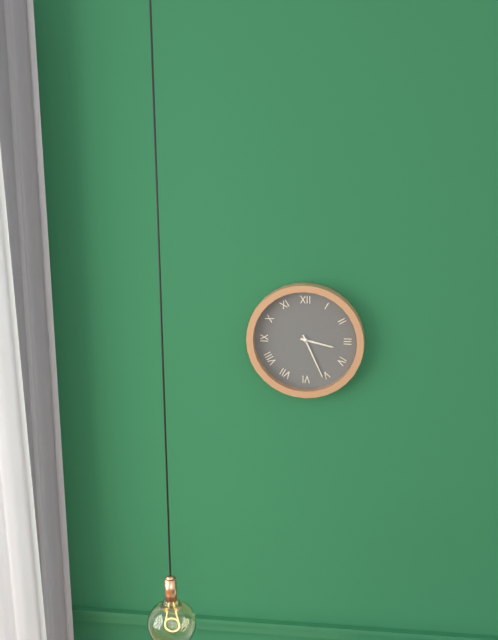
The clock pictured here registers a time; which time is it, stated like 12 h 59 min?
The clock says 3 h 26 min
